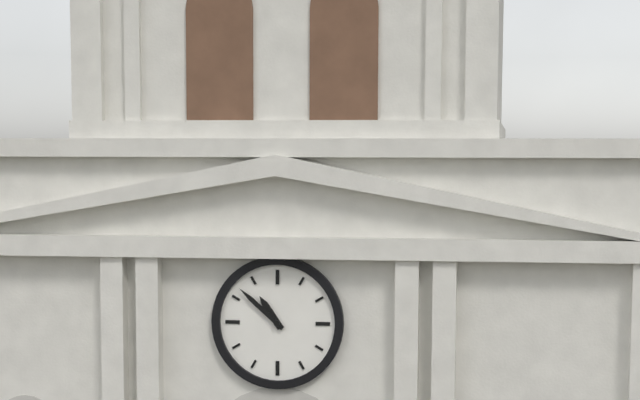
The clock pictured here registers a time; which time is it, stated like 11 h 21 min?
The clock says 10 h 52 min
